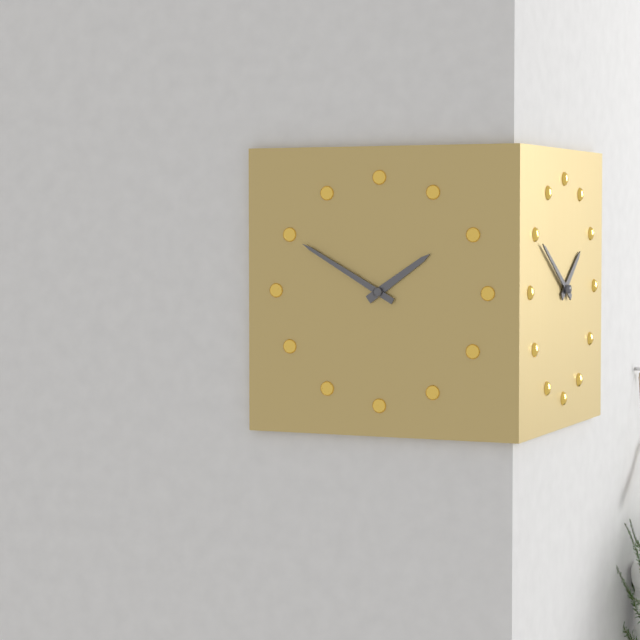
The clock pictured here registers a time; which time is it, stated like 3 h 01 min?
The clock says 1 h 50 min
